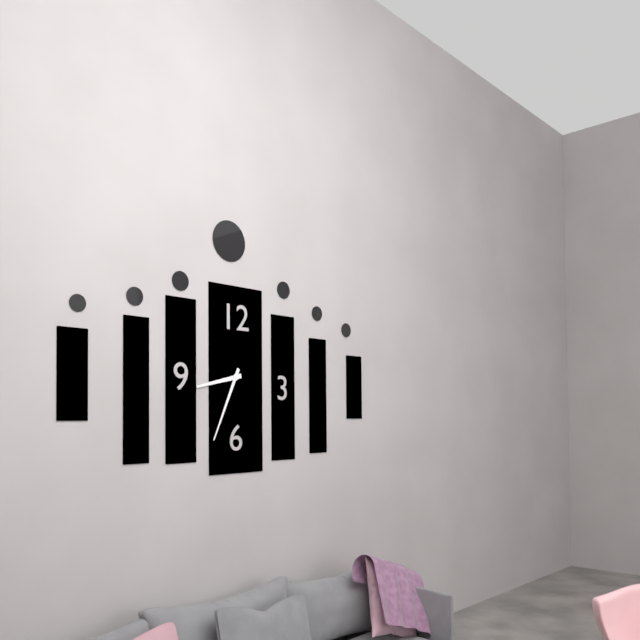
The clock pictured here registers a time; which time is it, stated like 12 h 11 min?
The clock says 8 h 34 min
